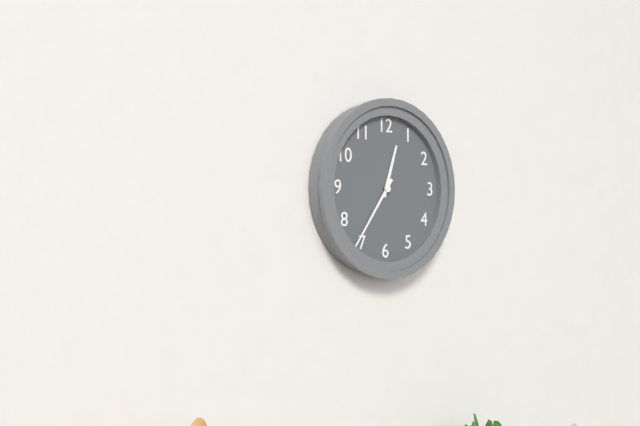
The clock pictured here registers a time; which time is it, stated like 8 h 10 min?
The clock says 12 h 36 min
